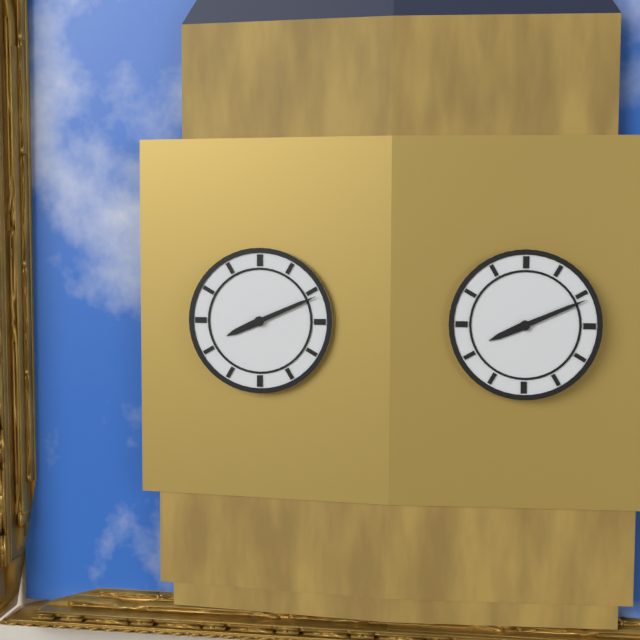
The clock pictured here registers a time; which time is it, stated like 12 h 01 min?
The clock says 8 h 11 min
